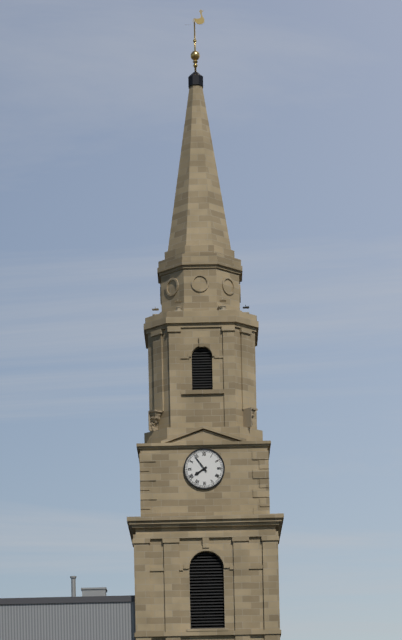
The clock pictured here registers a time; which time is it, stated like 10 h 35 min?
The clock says 7 h 54 min
